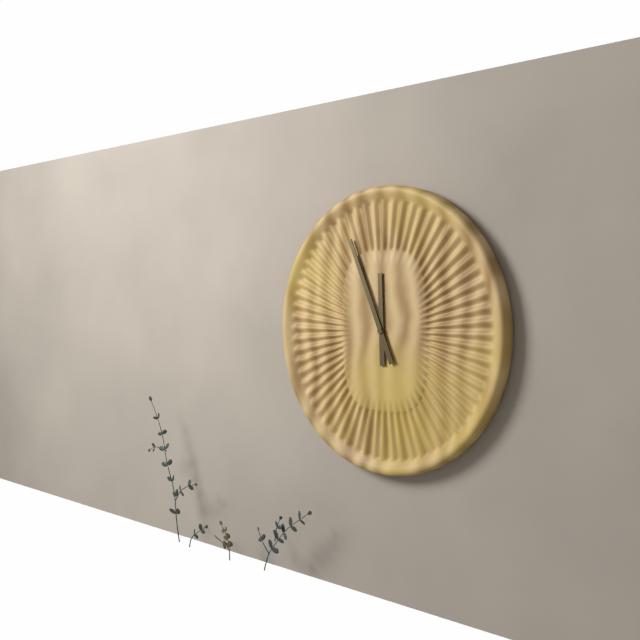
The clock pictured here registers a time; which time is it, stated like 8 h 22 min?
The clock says 11 h 56 min
